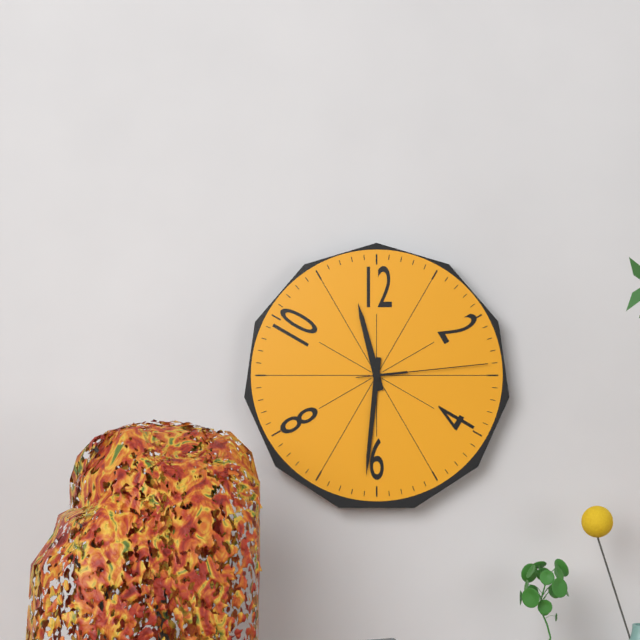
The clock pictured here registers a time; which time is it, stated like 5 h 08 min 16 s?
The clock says 11 h 31 min 14 s
